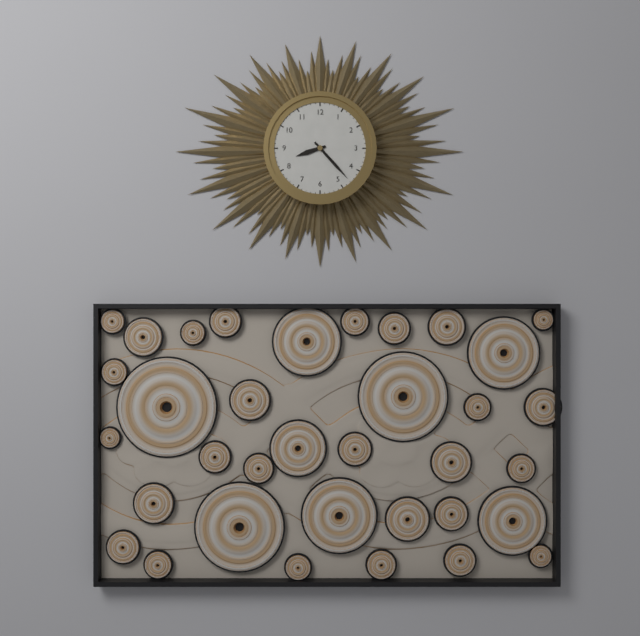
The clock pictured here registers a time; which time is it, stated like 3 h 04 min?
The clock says 8 h 23 min
